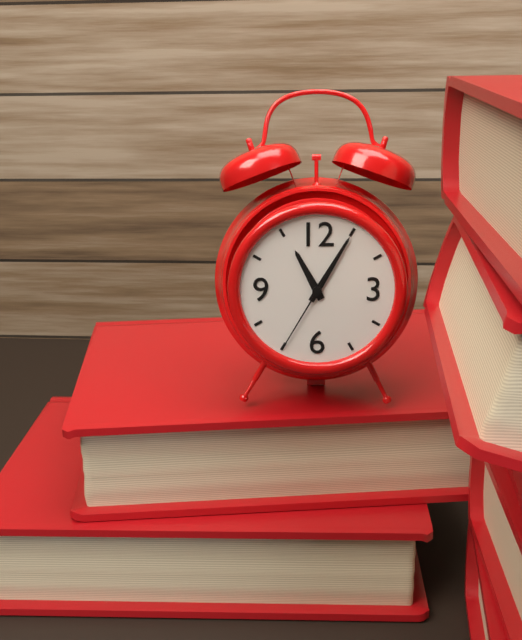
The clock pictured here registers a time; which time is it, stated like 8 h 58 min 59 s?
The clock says 11 h 05 min 35 s
